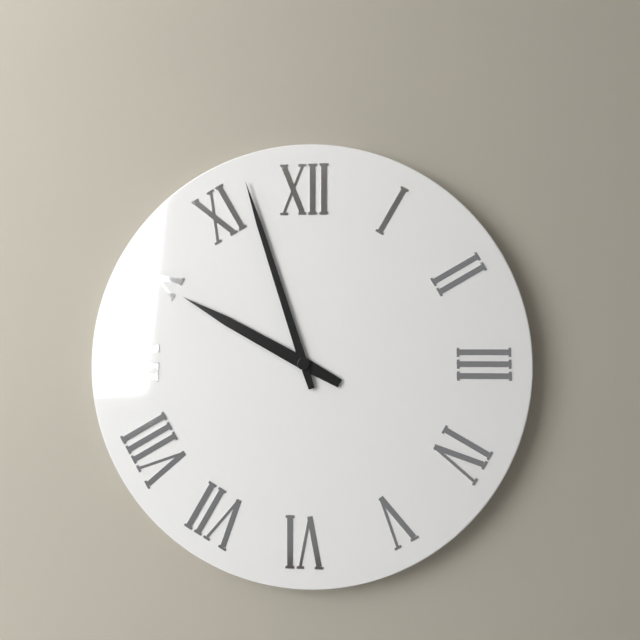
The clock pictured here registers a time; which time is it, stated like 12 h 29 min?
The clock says 9 h 57 min
